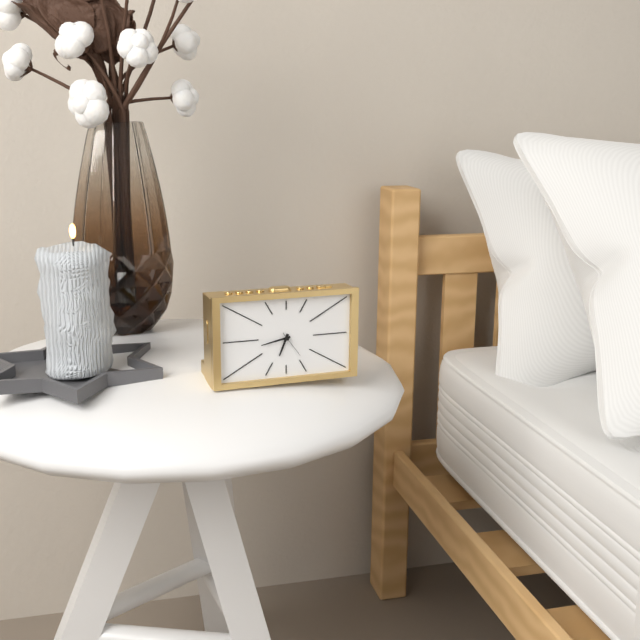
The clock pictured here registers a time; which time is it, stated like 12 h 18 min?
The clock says 6 h 43 min
